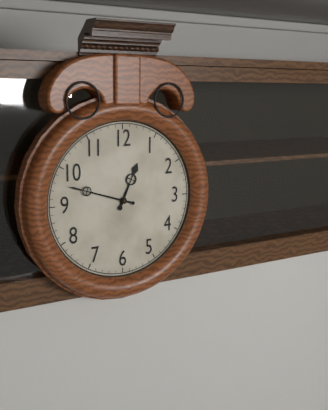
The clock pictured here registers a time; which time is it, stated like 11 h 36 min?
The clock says 12 h 48 min
